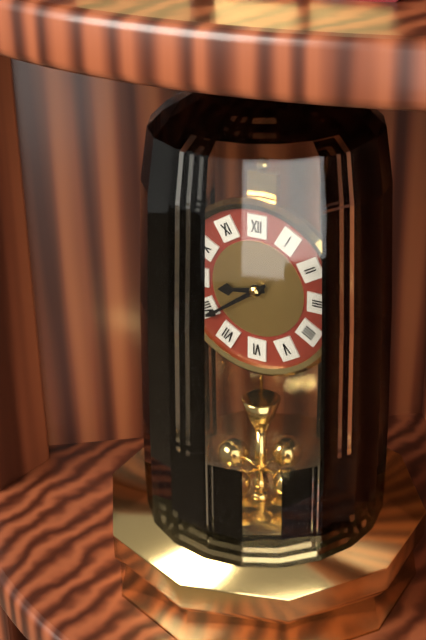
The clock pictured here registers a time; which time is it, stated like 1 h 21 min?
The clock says 8 h 39 min
